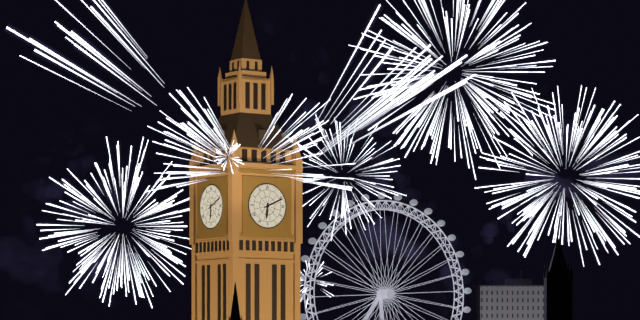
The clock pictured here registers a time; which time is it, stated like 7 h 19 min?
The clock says 6 h 11 min
